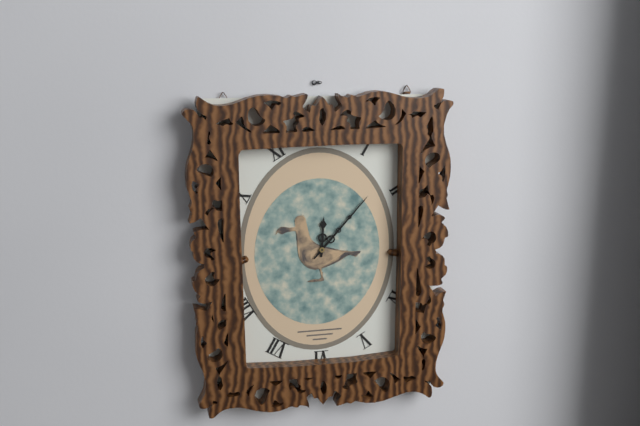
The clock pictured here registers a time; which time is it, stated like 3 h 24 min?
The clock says 12 h 07 min
